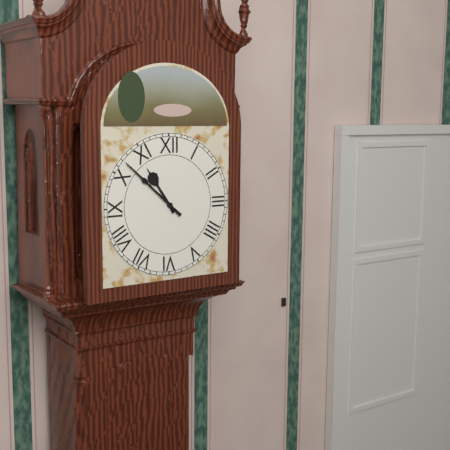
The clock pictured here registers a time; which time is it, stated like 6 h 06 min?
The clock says 10 h 52 min
